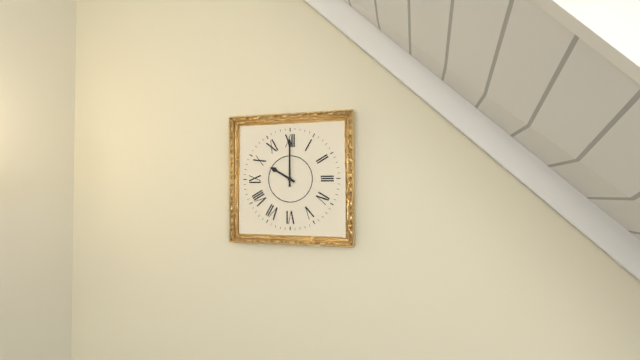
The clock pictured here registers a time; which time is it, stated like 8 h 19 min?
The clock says 10 h 00 min
